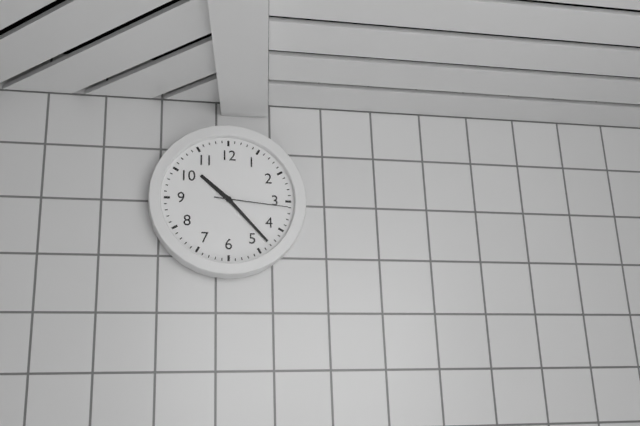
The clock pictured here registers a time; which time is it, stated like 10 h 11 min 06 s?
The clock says 10 h 23 min 16 s
